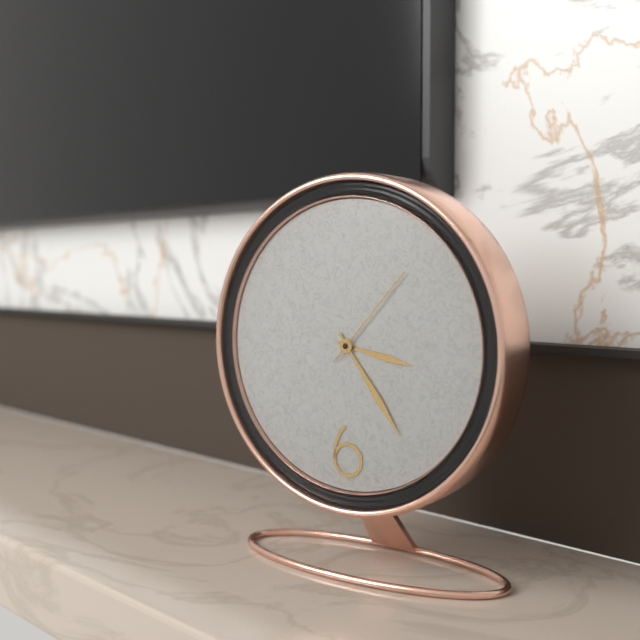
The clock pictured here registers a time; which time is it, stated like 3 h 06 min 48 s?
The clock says 3 h 24 min 07 s
